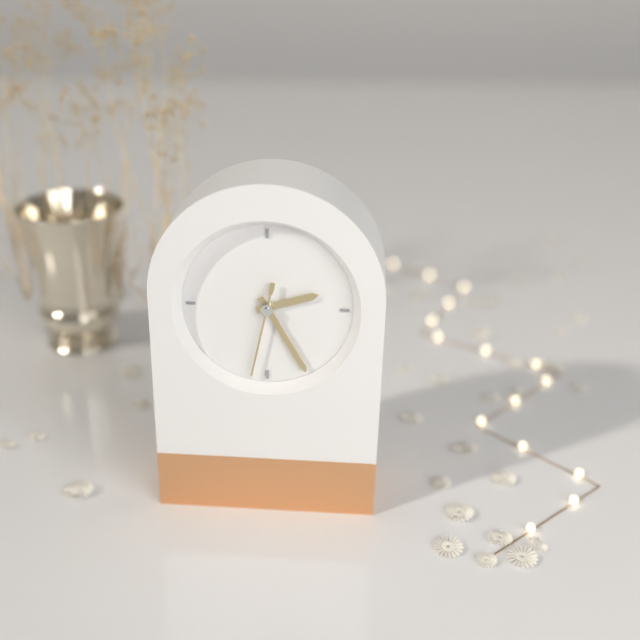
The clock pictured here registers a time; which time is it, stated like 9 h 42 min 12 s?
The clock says 2 h 25 min 32 s
